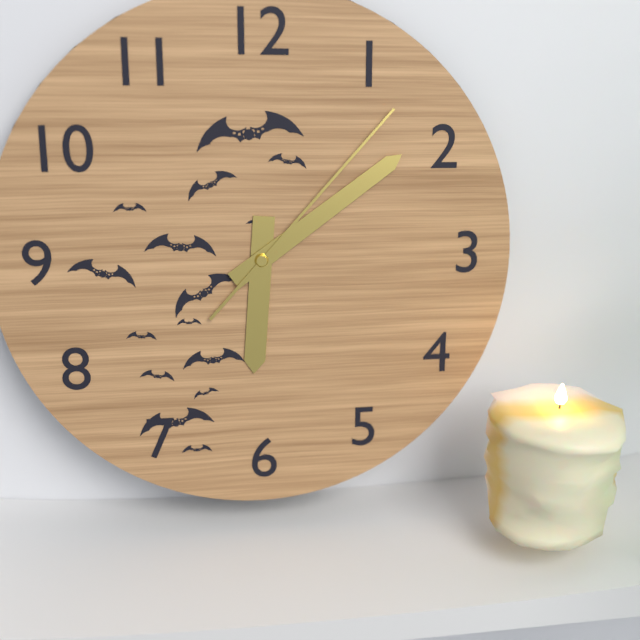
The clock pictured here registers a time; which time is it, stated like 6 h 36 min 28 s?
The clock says 6 h 09 min 07 s
